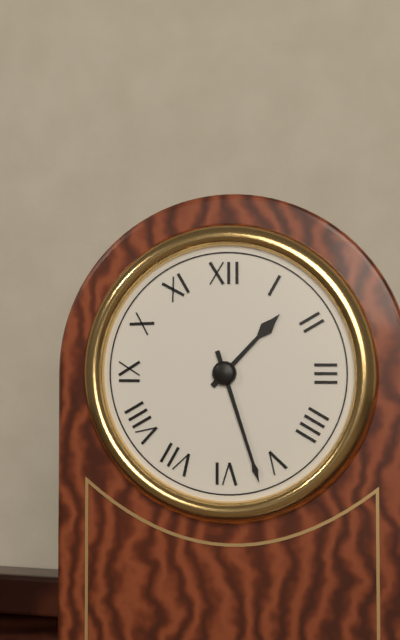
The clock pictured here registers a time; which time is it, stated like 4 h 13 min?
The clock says 1 h 27 min
